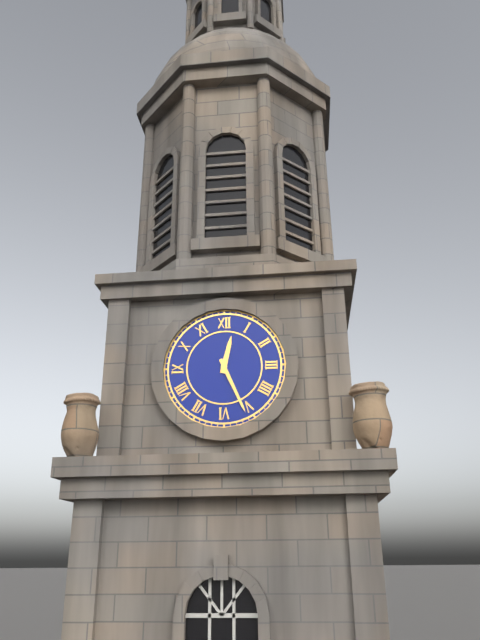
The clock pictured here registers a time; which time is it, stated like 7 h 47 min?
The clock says 12 h 26 min
